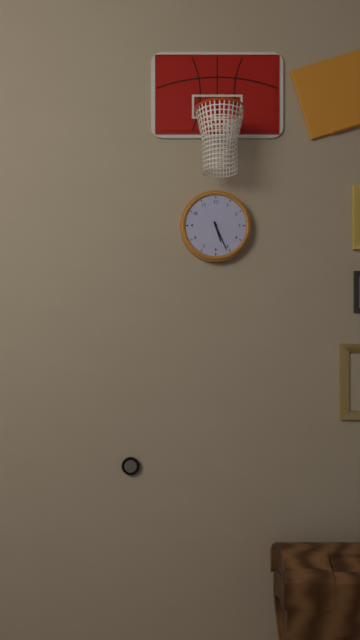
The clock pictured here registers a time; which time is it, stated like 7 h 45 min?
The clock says 5 h 26 min
